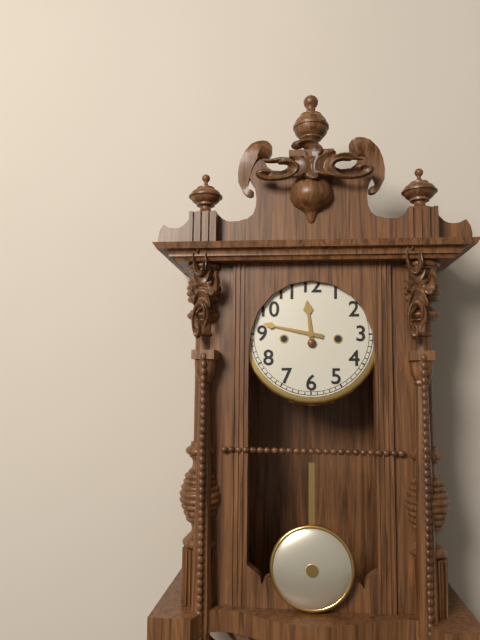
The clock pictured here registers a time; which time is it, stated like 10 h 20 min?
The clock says 11 h 47 min
